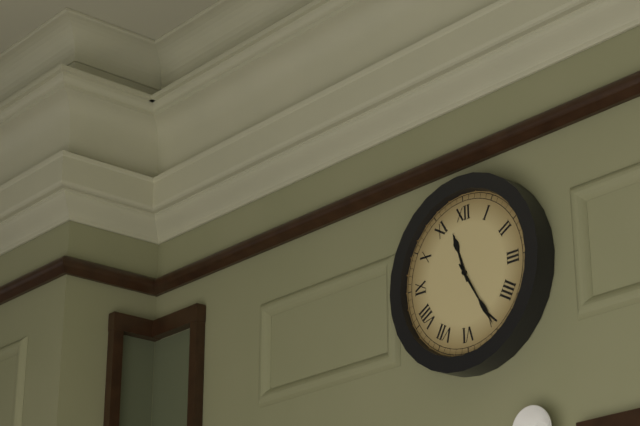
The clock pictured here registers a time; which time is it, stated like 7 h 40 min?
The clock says 11 h 25 min
